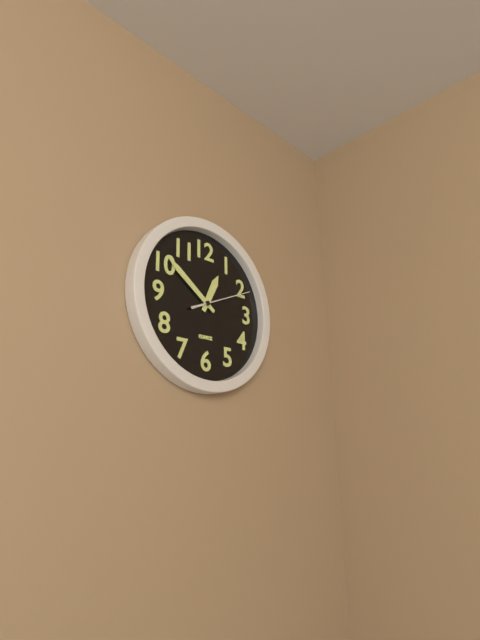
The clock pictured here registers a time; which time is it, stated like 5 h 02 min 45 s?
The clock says 12 h 51 min 11 s
